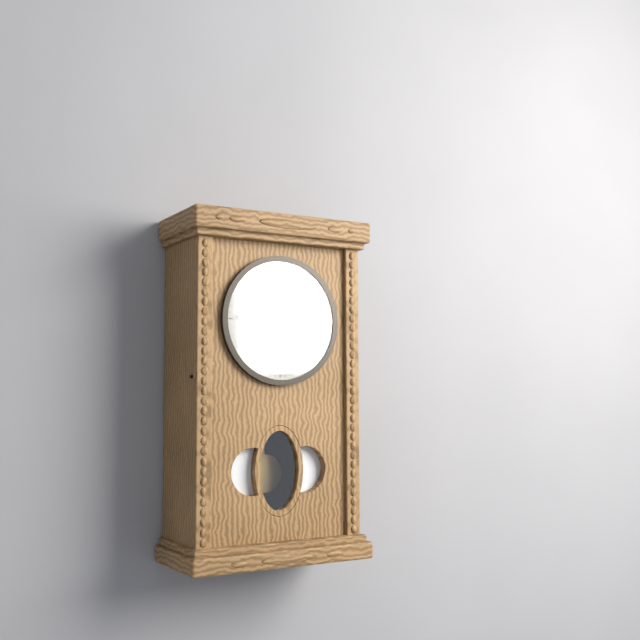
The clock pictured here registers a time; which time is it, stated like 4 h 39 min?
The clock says 8 h 28 min
